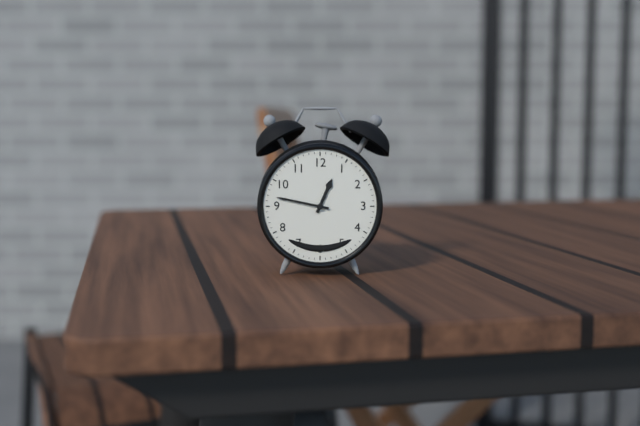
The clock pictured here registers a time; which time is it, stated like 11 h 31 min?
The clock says 12 h 47 min
